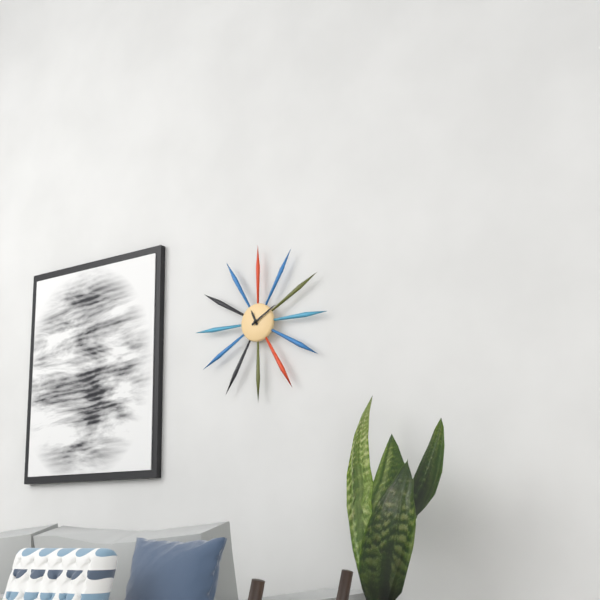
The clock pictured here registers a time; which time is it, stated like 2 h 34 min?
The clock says 11 h 10 min
